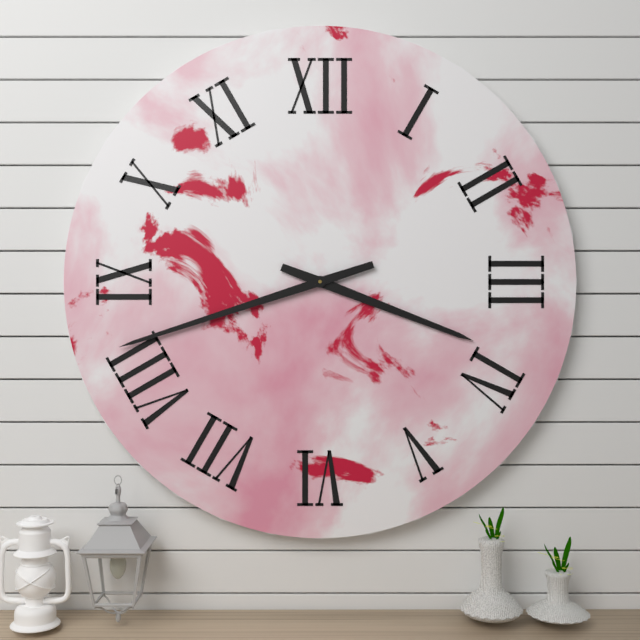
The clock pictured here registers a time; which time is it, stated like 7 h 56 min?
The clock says 3 h 42 min
